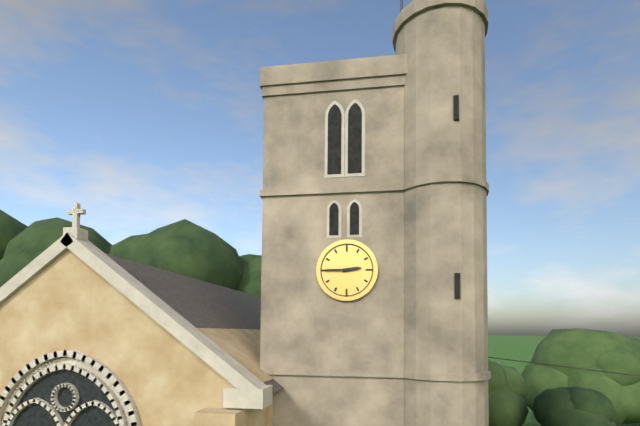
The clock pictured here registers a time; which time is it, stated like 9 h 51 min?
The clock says 2 h 45 min
